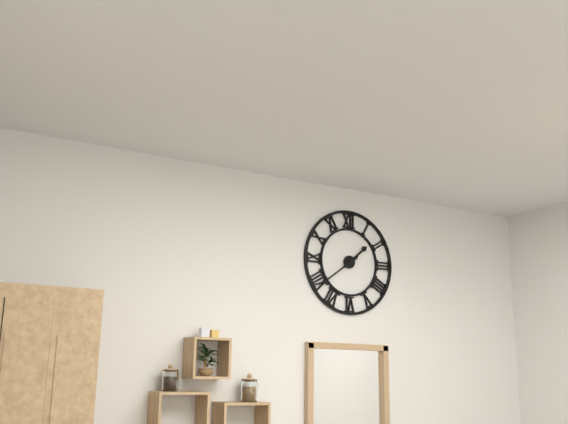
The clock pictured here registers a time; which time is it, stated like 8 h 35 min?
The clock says 1 h 39 min
